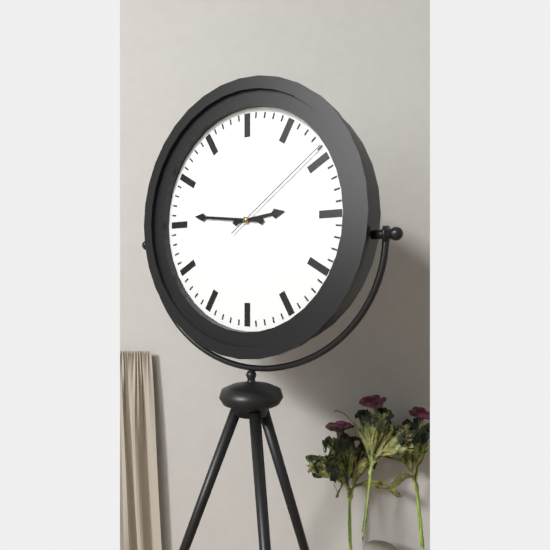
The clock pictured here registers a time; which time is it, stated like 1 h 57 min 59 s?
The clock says 2 h 46 min 09 s
